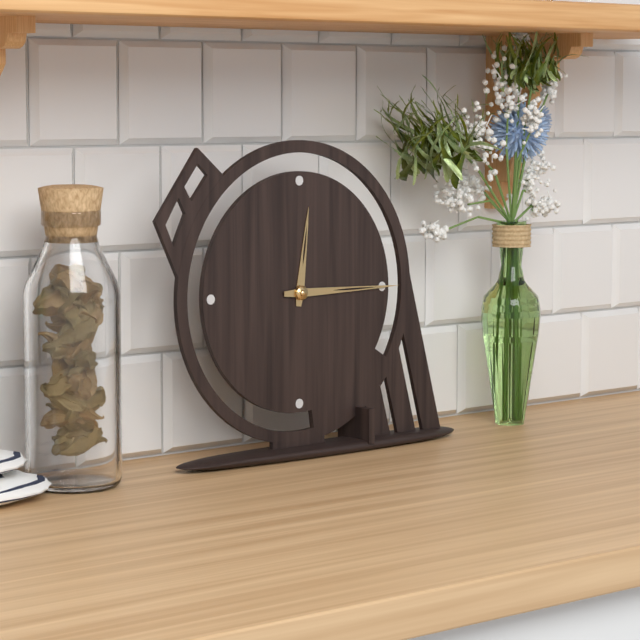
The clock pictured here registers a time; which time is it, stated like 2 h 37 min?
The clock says 12 h 15 min
